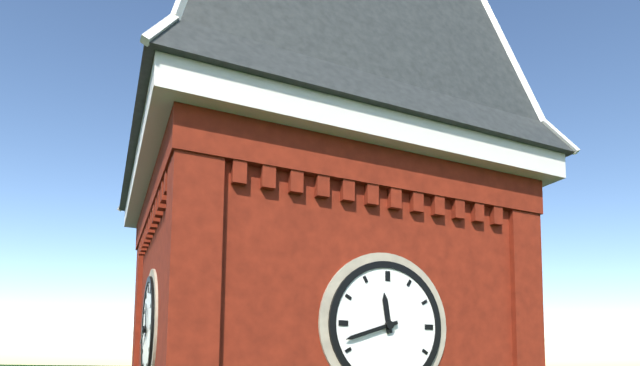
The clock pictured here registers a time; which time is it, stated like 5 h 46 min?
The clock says 11 h 42 min
